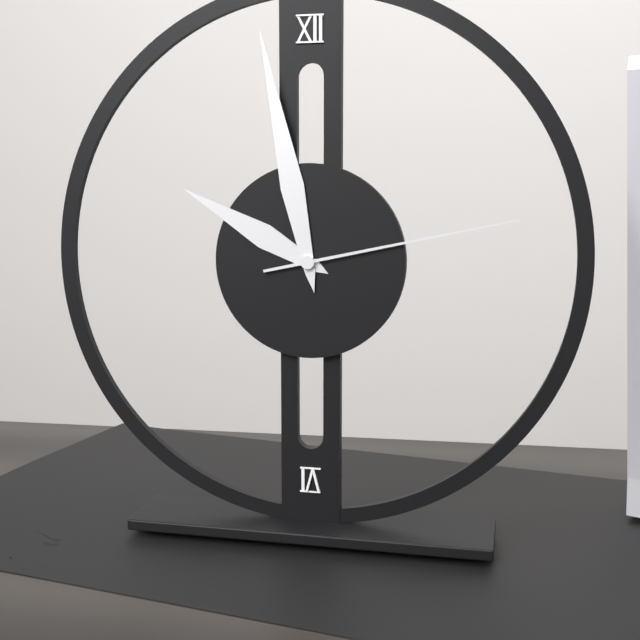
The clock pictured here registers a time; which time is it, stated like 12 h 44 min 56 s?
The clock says 9 h 58 min 13 s
